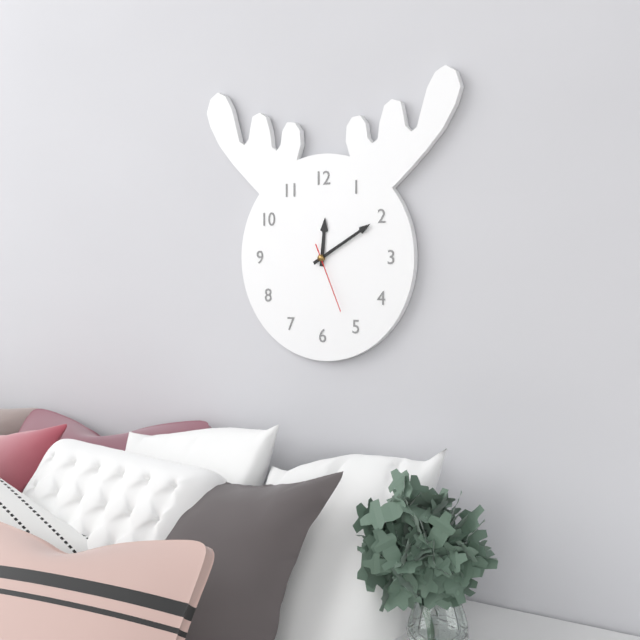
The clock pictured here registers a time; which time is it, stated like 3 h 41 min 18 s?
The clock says 12 h 10 min 26 s
